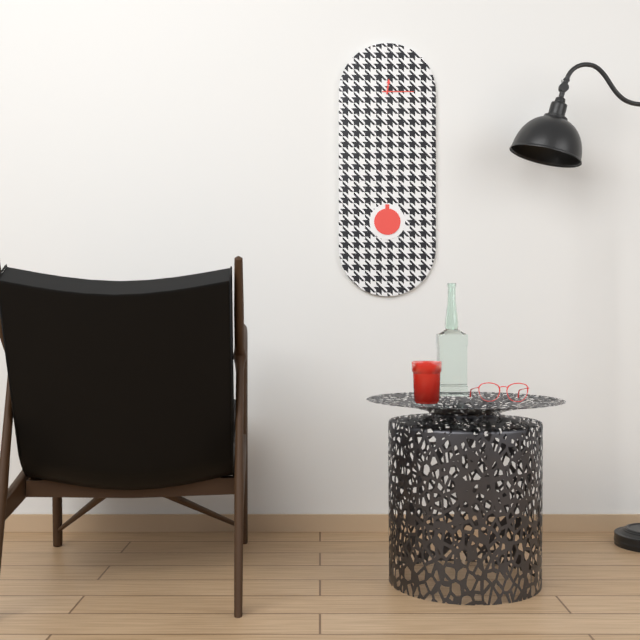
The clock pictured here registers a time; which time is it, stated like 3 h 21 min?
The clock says 12 h 15 min
